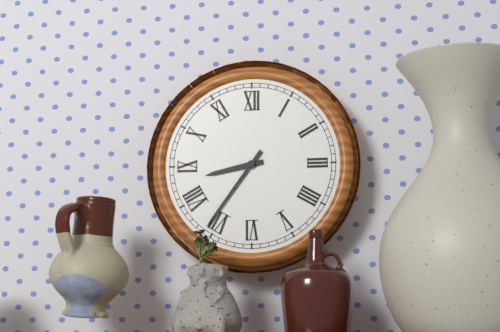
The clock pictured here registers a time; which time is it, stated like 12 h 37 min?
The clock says 8 h 36 min
